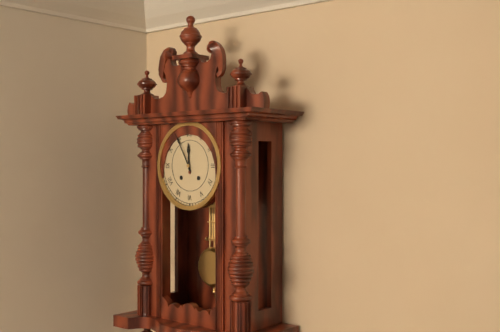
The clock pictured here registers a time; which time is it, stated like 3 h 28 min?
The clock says 11 h 55 min
